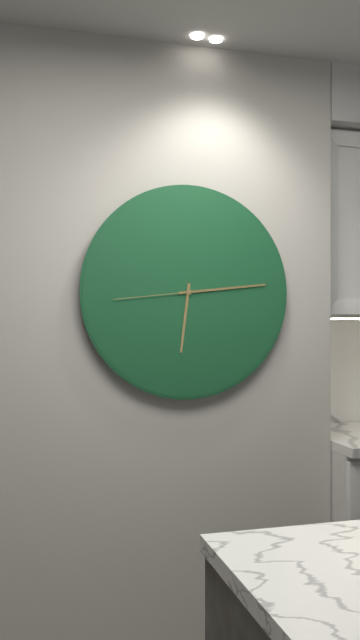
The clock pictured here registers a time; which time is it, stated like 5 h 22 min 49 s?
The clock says 6 h 14 min 44 s
